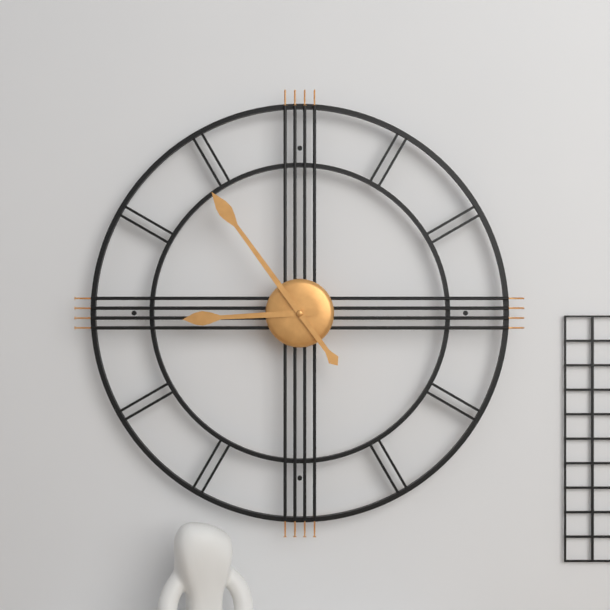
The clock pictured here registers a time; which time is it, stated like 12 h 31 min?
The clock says 8 h 54 min
